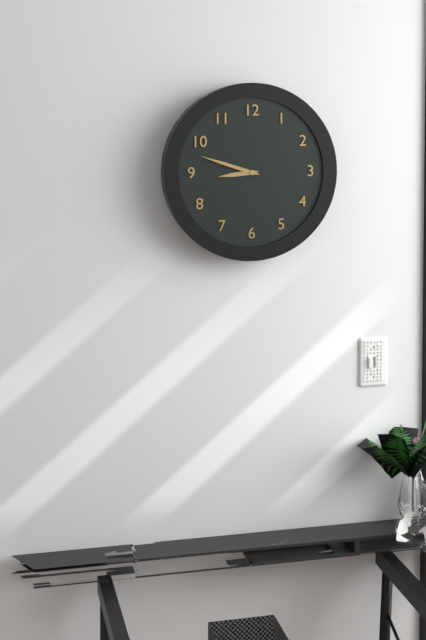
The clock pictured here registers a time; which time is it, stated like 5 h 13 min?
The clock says 8 h 48 min
